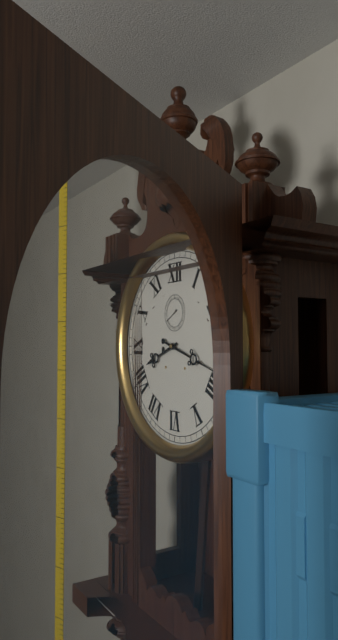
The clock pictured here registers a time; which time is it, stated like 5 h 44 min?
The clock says 8 h 18 min
